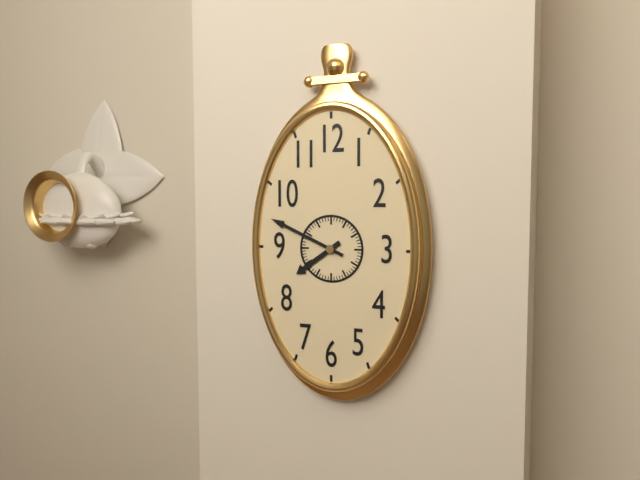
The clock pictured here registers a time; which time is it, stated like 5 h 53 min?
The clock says 7 h 49 min
